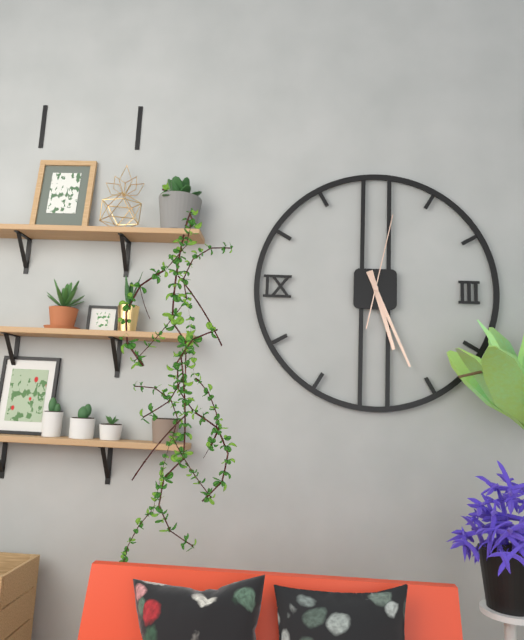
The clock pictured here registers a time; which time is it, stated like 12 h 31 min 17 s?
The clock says 5 h 26 min 02 s
